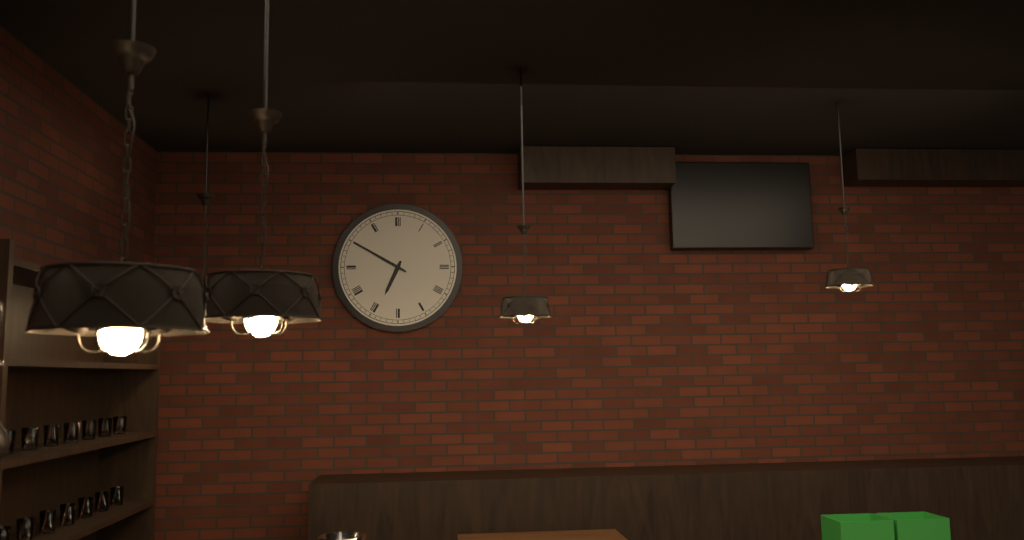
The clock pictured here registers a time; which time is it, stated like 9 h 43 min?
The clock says 6 h 50 min
